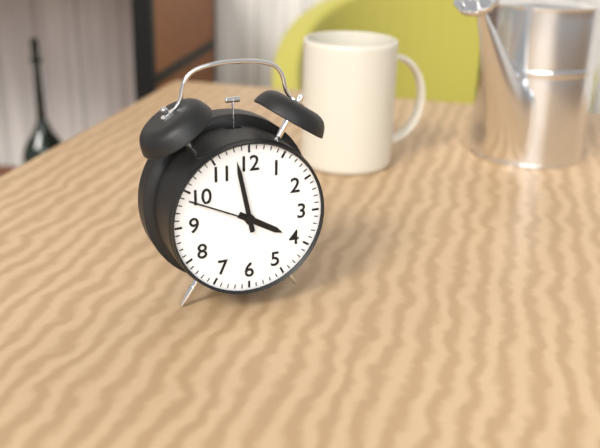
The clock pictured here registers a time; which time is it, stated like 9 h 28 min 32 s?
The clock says 3 h 58 min 49 s
